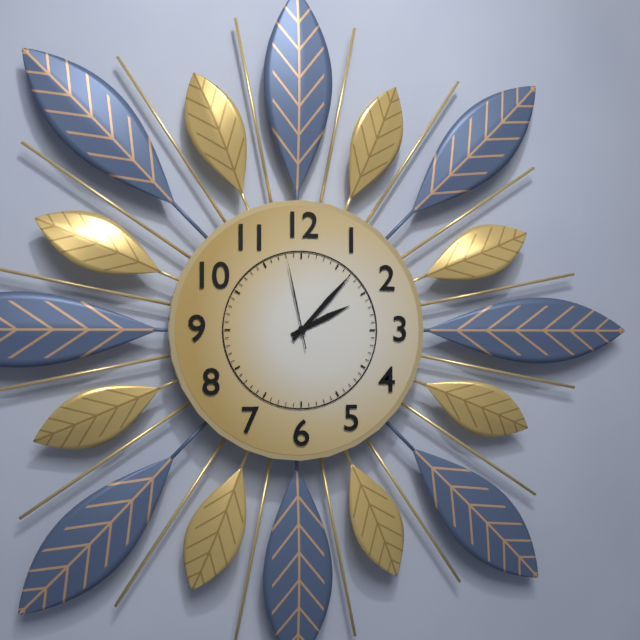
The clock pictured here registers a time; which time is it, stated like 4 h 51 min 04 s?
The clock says 2 h 07 min 58 s
